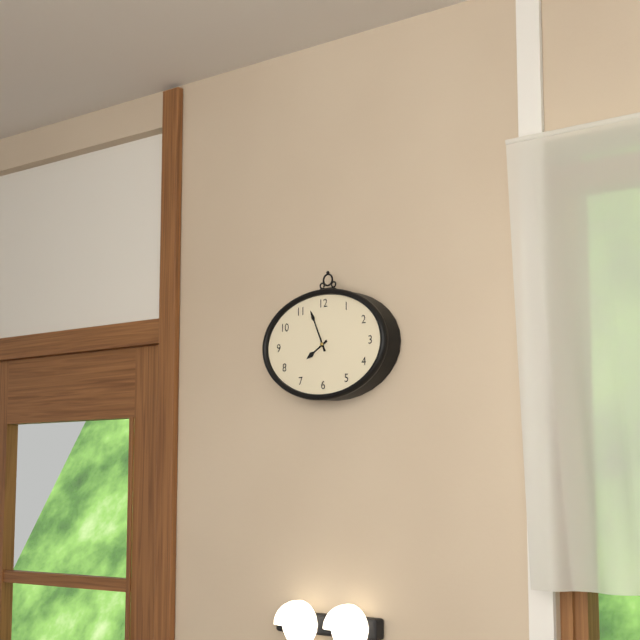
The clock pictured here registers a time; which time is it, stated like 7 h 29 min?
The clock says 7 h 56 min
